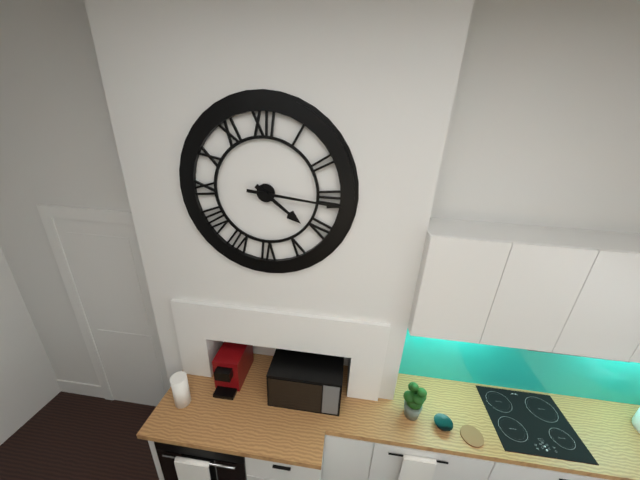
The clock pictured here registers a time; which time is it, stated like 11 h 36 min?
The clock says 4 h 16 min
